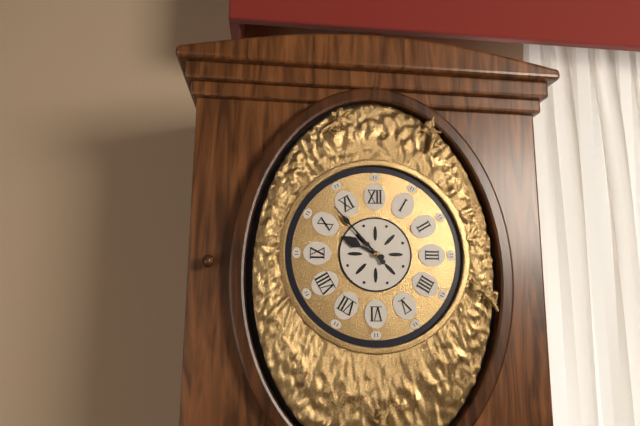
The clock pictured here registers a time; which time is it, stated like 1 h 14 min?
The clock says 9 h 53 min
